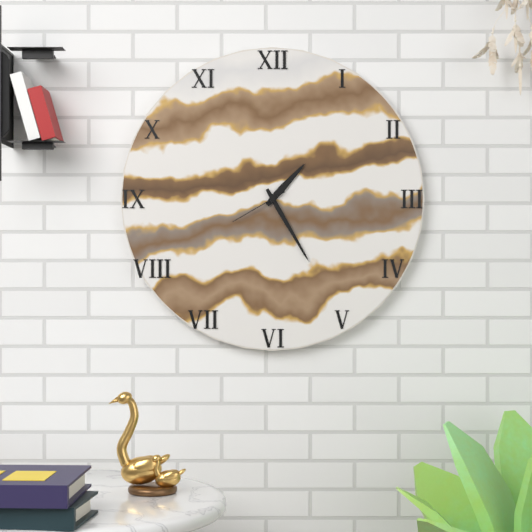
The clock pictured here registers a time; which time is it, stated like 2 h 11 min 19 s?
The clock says 1 h 25 min 40 s
